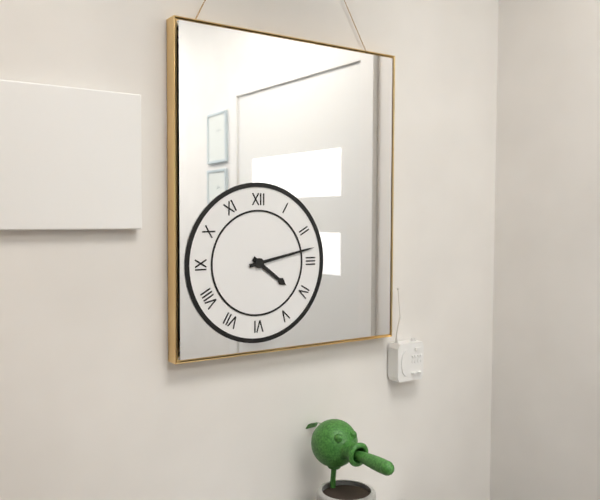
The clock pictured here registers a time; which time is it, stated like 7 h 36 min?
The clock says 4 h 13 min
